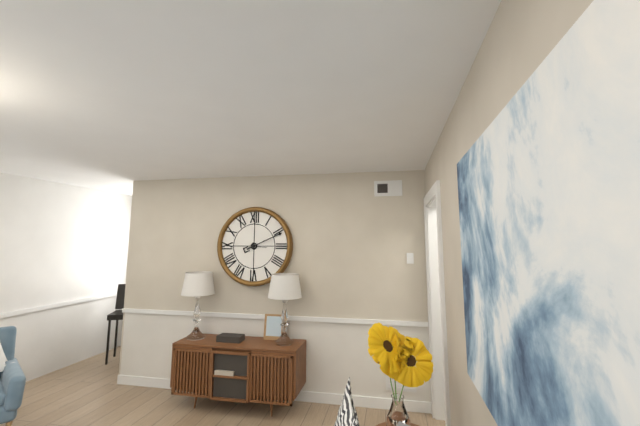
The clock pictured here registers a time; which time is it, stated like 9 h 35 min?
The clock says 8 h 11 min
